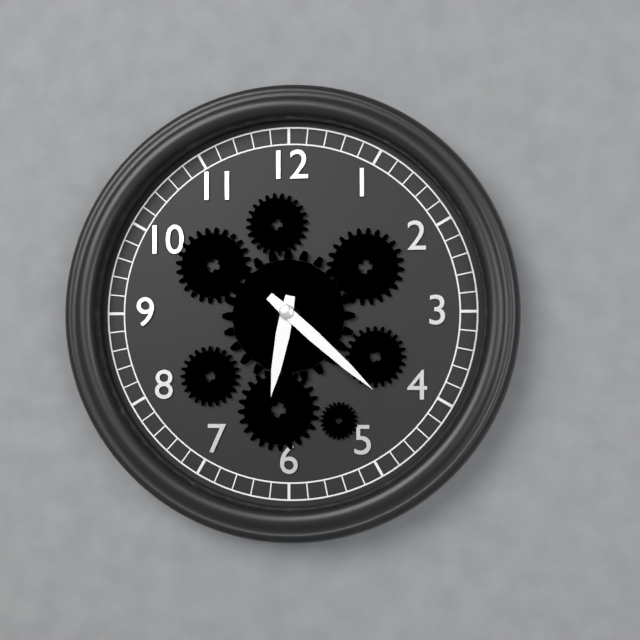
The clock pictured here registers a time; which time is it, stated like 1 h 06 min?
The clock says 6 h 22 min
